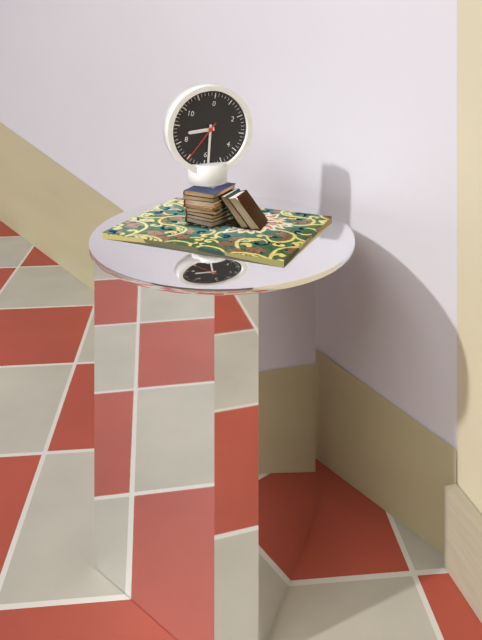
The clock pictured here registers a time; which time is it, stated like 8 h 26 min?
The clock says 8 h 29 min
